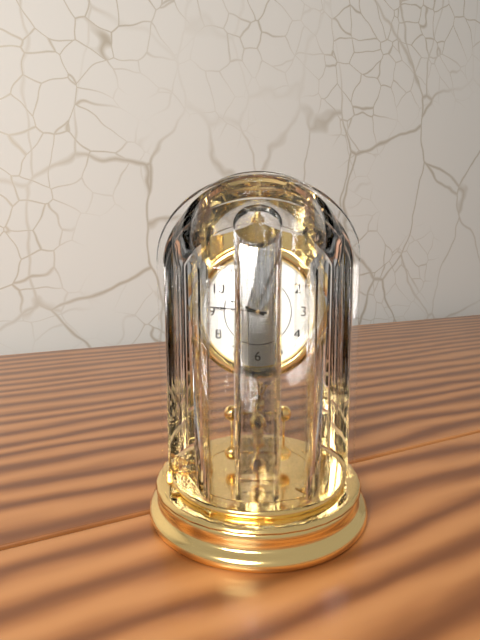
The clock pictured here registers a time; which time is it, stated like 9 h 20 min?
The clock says 9 h 46 min
